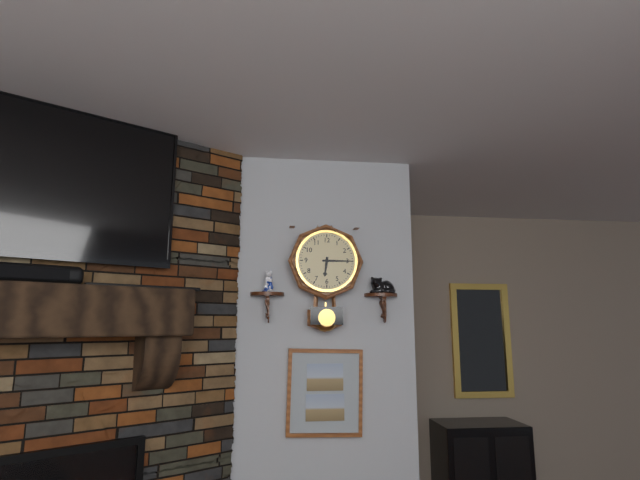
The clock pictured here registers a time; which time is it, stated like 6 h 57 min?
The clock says 6 h 15 min
